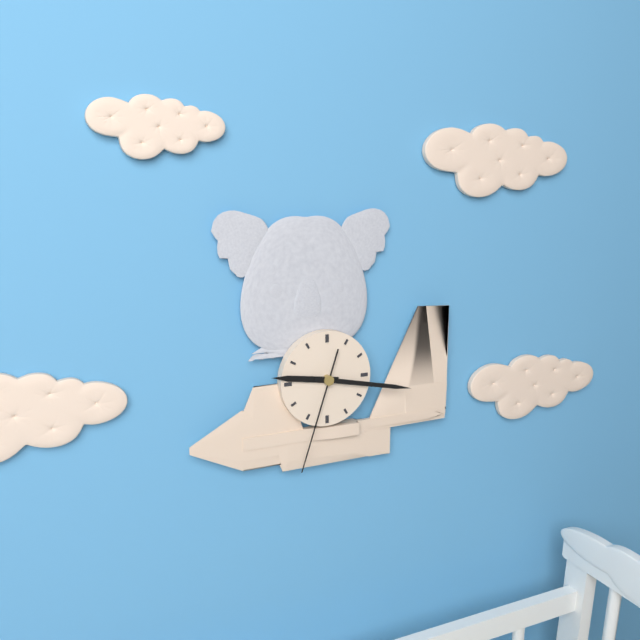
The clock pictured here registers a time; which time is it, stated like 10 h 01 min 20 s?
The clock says 9 h 17 min 33 s
